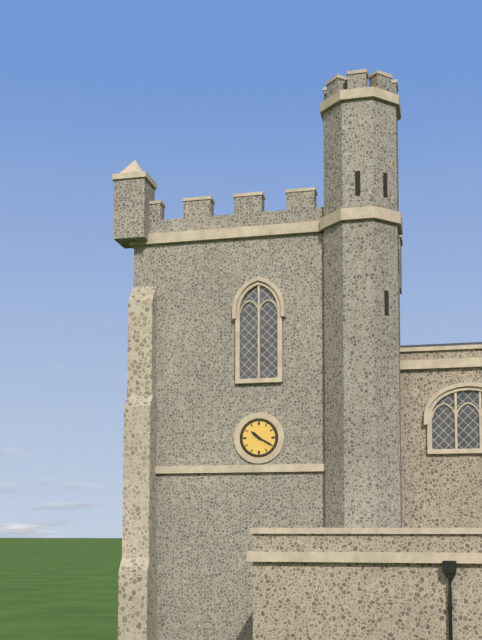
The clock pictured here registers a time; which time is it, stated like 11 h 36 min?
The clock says 10 h 20 min
